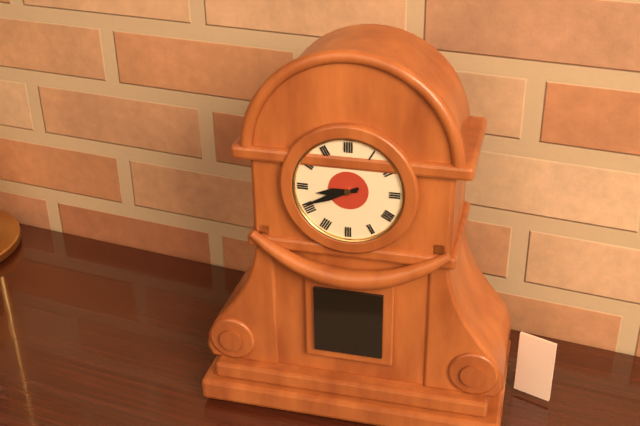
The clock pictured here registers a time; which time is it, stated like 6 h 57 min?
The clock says 8 h 41 min
